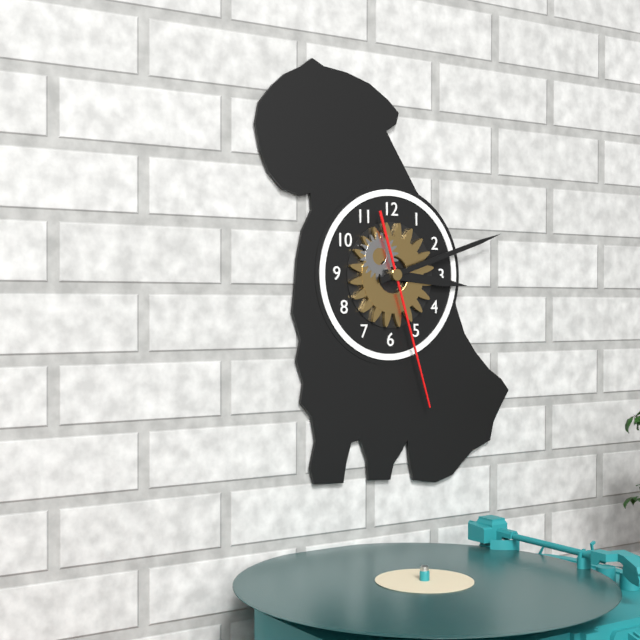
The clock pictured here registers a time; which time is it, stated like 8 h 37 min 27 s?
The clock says 3 h 12 min 27 s
